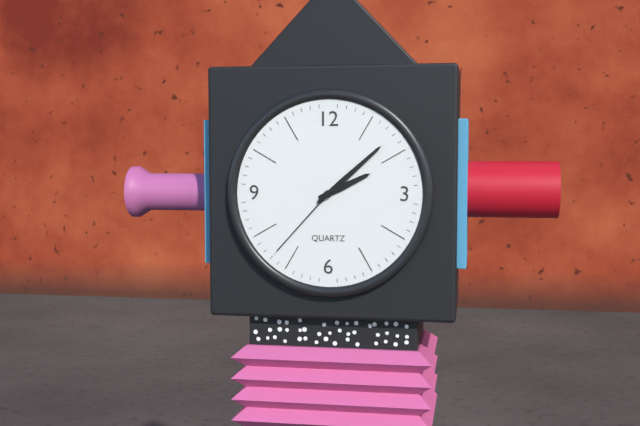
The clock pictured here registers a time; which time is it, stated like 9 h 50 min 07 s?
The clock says 2 h 08 min 37 s
